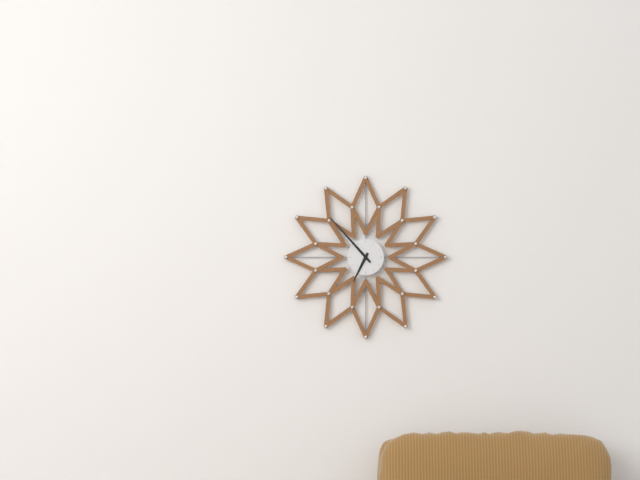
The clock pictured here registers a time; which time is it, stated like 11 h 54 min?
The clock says 6 h 53 min
